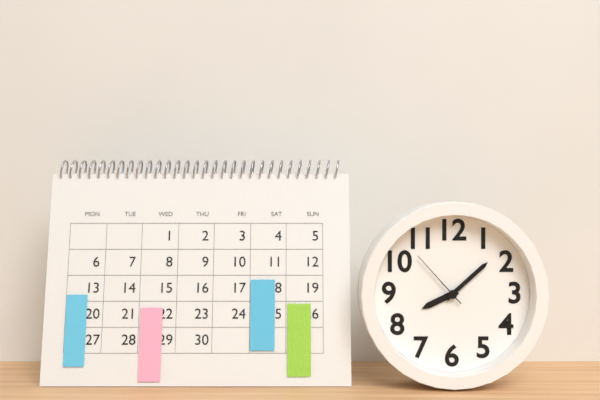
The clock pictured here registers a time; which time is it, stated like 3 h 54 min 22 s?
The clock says 8 h 08 min 53 s
